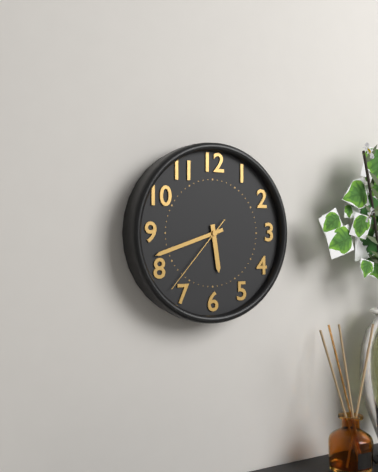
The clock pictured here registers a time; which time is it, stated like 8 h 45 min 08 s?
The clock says 5 h 42 min 37 s
